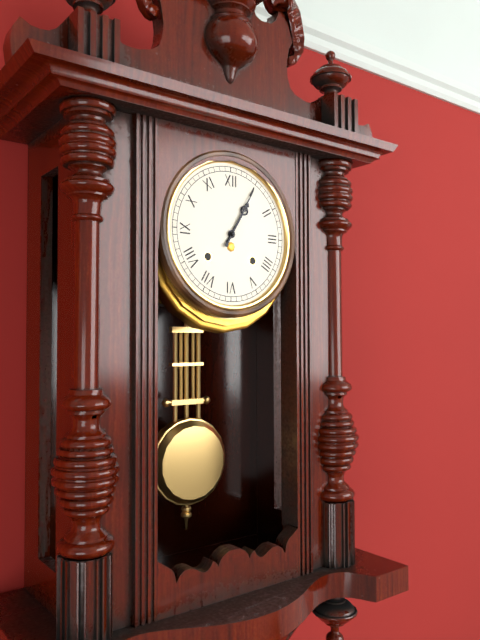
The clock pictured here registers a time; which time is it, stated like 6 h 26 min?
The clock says 1 h 05 min
